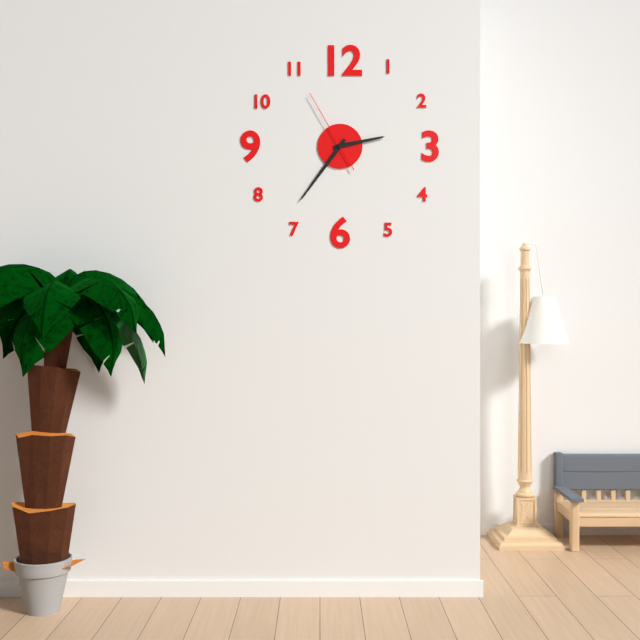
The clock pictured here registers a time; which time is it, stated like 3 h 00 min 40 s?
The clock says 2 h 36 min 55 s
